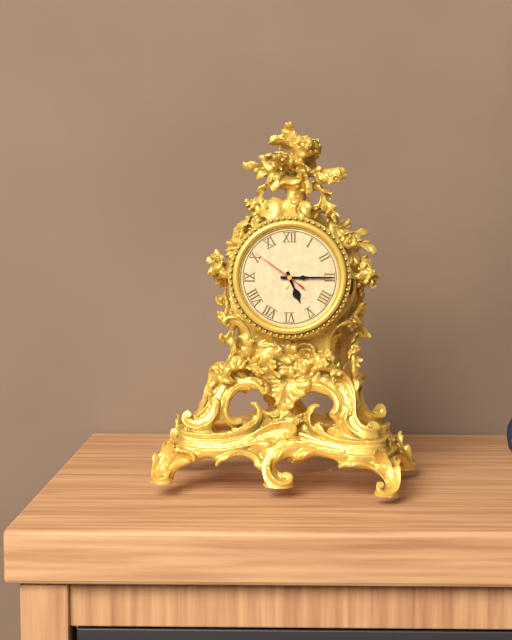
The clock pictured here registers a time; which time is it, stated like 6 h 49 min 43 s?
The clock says 5 h 15 min 51 s
